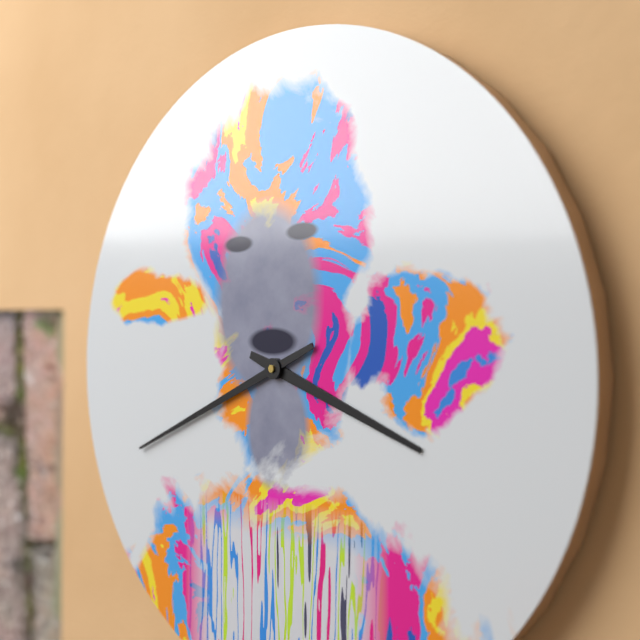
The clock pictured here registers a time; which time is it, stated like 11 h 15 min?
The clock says 3 h 41 min
